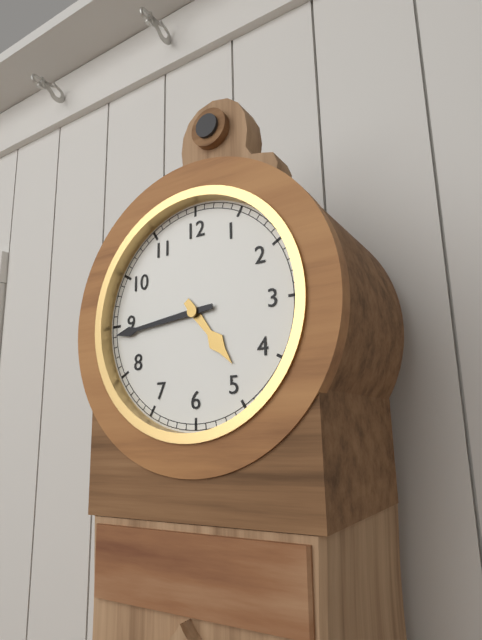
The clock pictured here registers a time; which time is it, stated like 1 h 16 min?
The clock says 4 h 44 min
